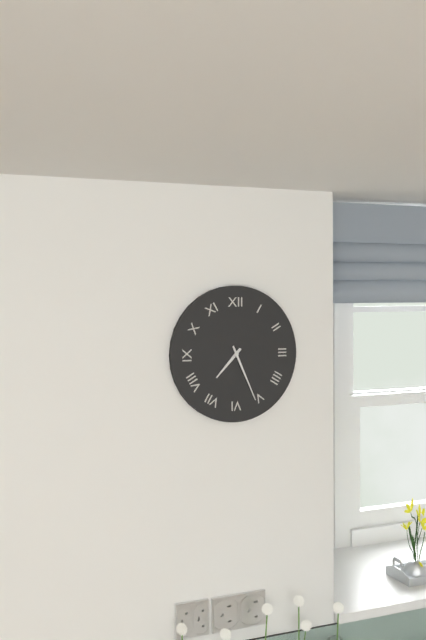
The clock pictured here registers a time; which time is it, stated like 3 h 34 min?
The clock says 7 h 26 min
